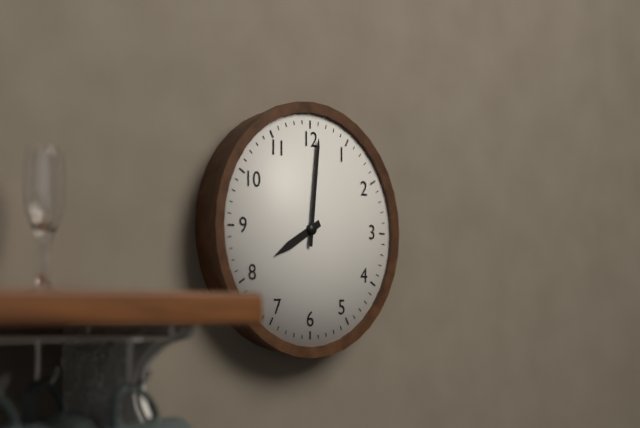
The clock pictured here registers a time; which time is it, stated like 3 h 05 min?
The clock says 8 h 01 min
